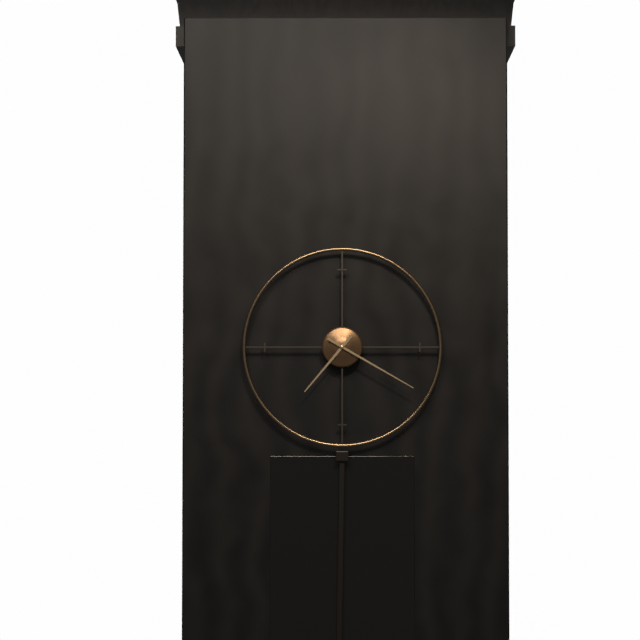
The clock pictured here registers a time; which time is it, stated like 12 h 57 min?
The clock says 7 h 20 min
